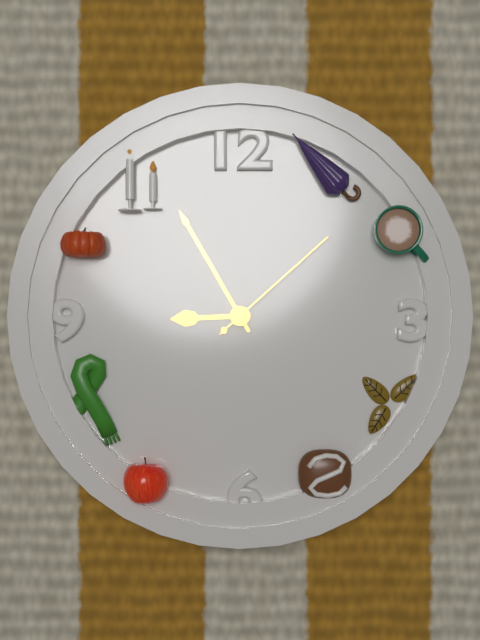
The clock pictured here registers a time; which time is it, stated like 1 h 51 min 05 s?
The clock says 8 h 55 min 08 s
